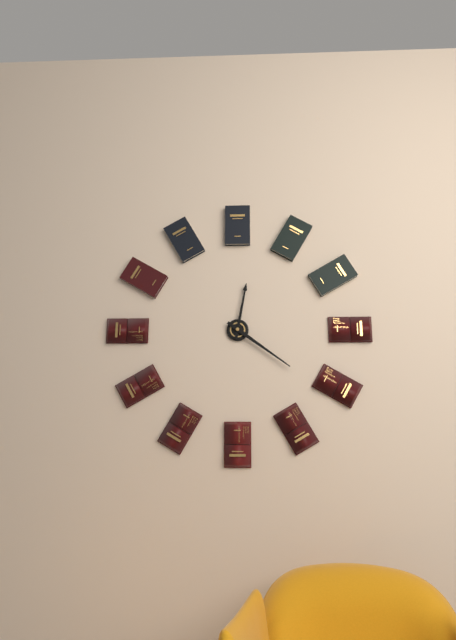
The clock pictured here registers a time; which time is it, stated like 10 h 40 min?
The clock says 12 h 21 min
